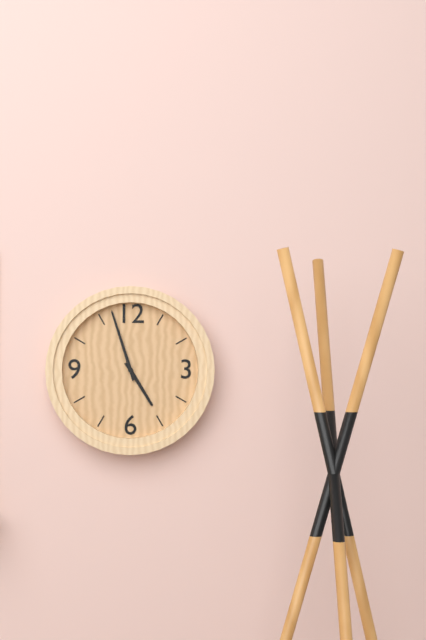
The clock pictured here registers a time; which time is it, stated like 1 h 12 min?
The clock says 4 h 57 min
